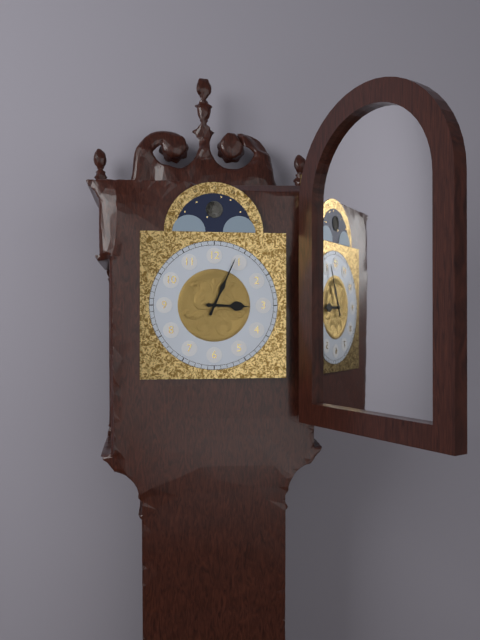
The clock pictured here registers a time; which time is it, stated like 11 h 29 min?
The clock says 3 h 04 min
